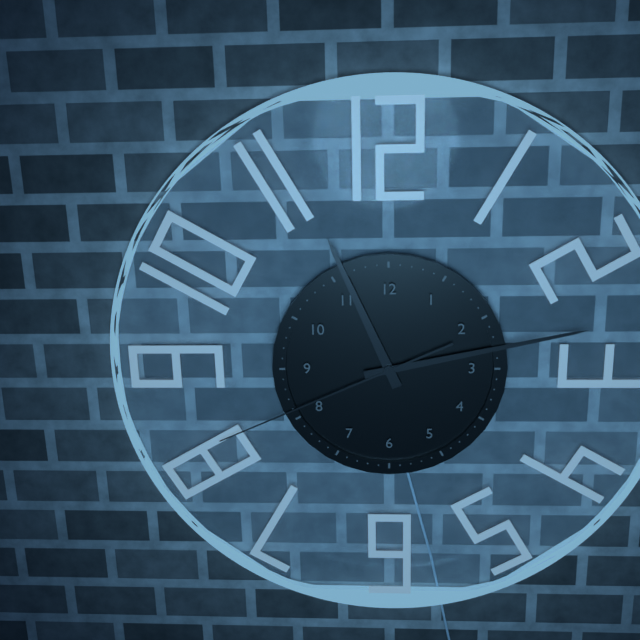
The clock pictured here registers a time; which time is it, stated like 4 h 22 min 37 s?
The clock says 11 h 13 min 41 s
